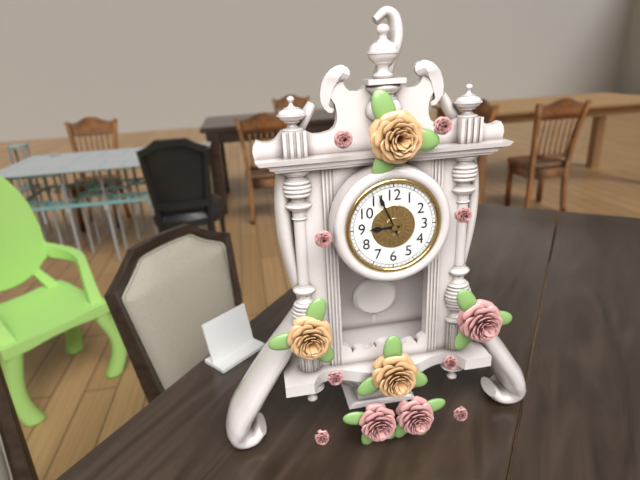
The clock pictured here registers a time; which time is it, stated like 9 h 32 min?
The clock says 8 h 56 min
